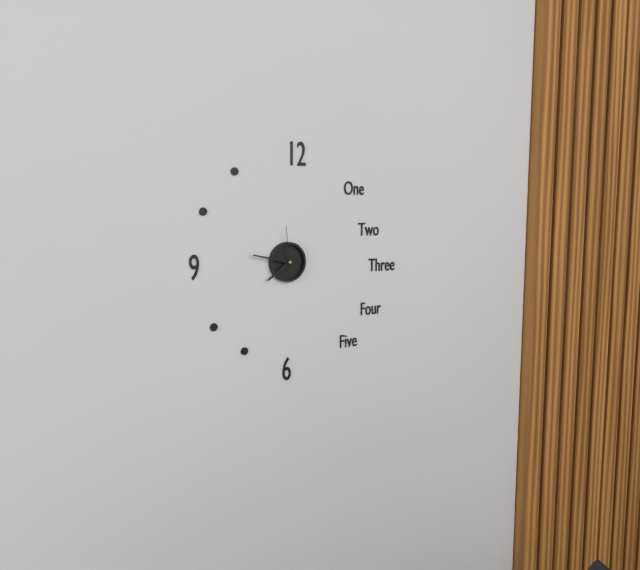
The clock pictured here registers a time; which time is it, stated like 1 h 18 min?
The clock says 7 h 47 min
